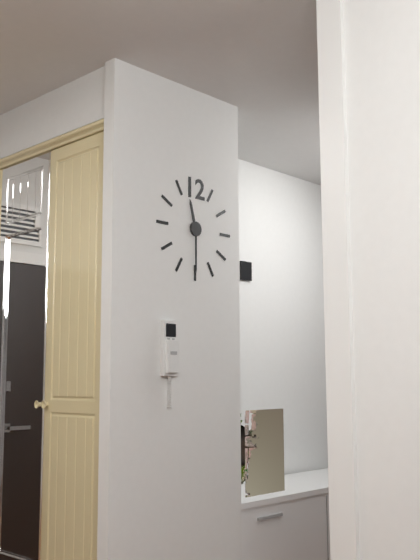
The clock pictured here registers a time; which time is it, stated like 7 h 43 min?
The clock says 11 h 30 min
